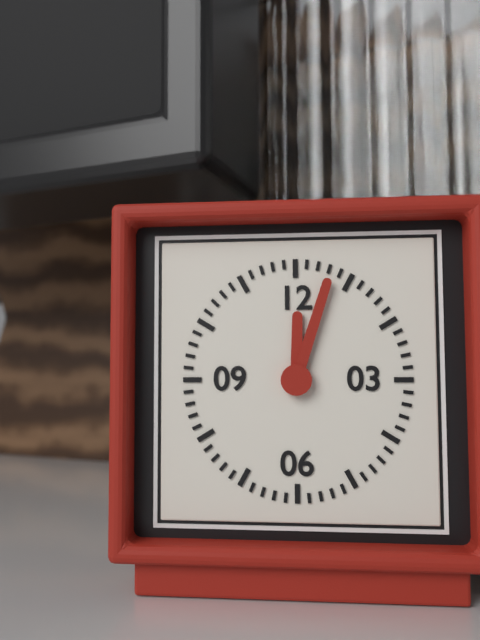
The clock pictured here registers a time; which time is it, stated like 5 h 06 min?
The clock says 12 h 03 min
